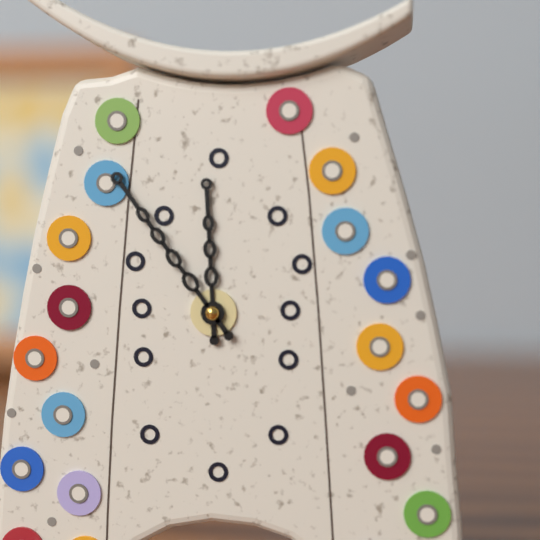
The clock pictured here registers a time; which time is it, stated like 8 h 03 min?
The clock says 11 h 54 min
